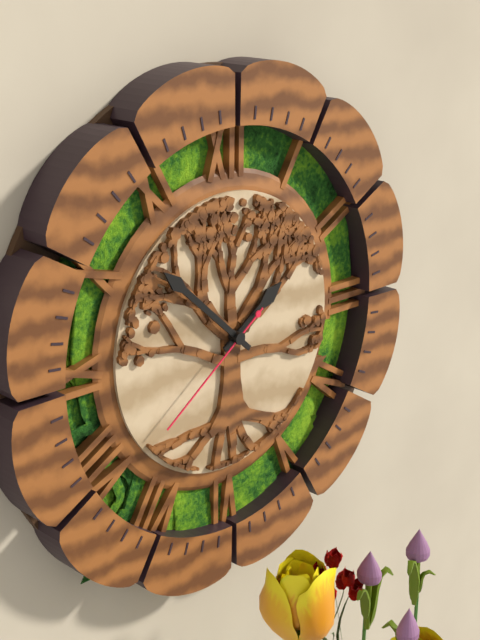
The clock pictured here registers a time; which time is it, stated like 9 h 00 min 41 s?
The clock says 1 h 52 min 39 s
